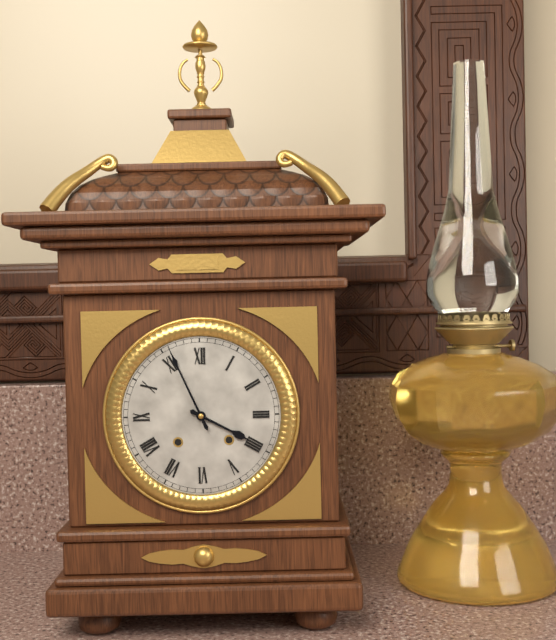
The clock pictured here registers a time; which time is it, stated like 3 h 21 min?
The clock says 3 h 56 min
